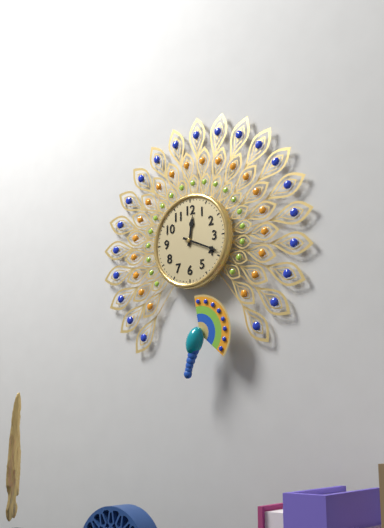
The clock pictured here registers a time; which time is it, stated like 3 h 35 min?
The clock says 12 h 19 min
